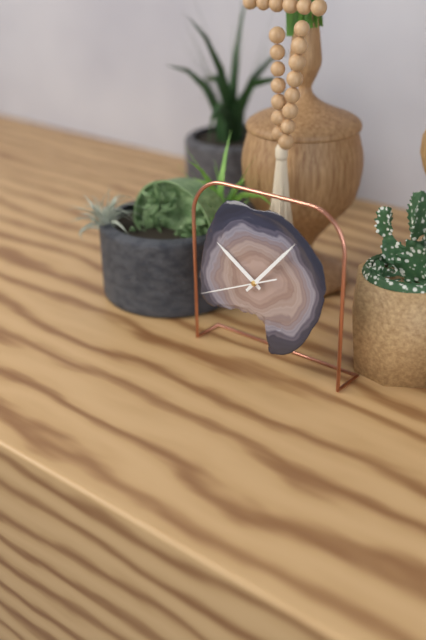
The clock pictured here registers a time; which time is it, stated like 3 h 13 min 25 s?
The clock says 10 h 07 min 41 s
